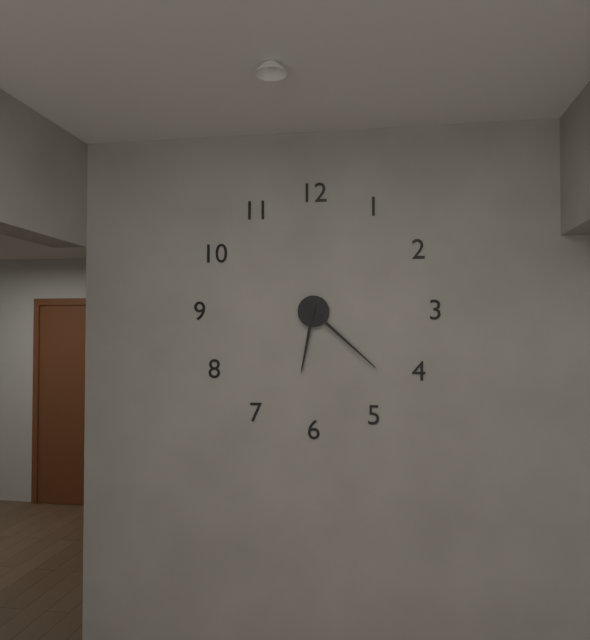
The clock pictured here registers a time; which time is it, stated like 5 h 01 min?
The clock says 6 h 22 min
